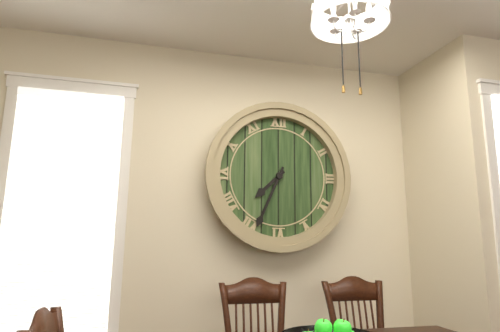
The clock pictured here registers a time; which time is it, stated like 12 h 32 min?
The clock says 7 h 34 min
